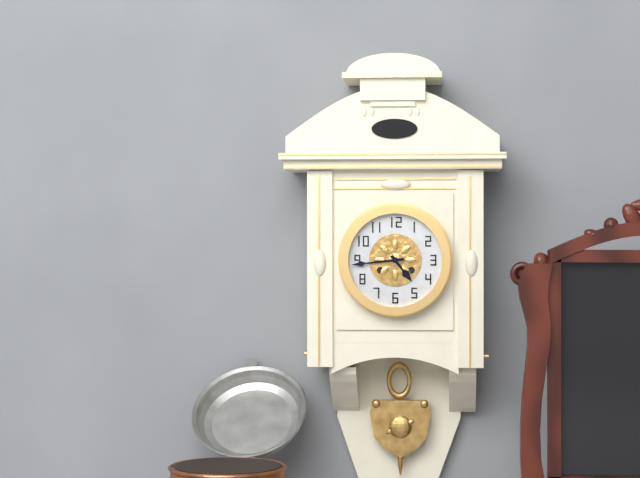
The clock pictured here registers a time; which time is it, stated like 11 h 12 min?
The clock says 4 h 44 min
